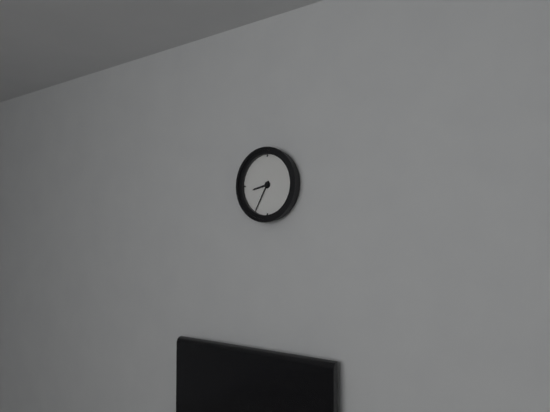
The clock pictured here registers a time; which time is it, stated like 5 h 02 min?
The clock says 8 h 35 min
